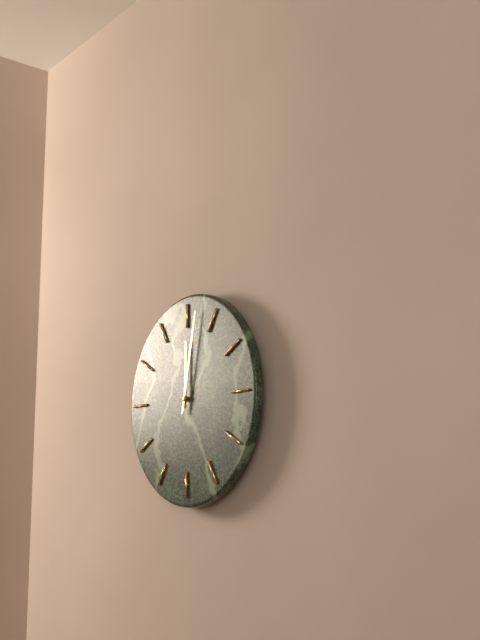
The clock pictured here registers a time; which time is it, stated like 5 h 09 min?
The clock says 12 h 02 min
